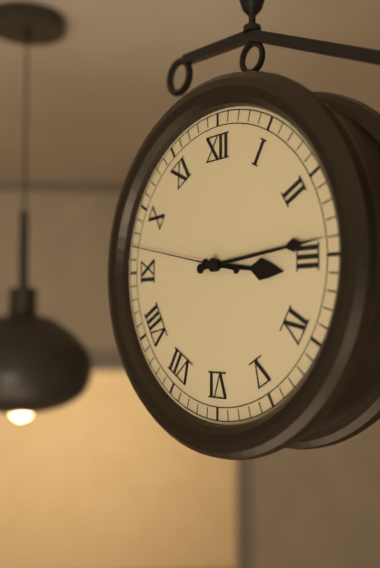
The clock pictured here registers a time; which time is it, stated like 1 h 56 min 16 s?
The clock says 3 h 14 min 47 s
